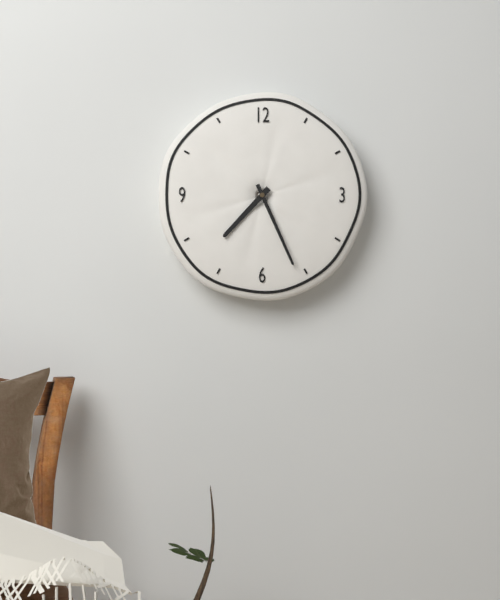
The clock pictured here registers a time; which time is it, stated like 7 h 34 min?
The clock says 7 h 26 min
